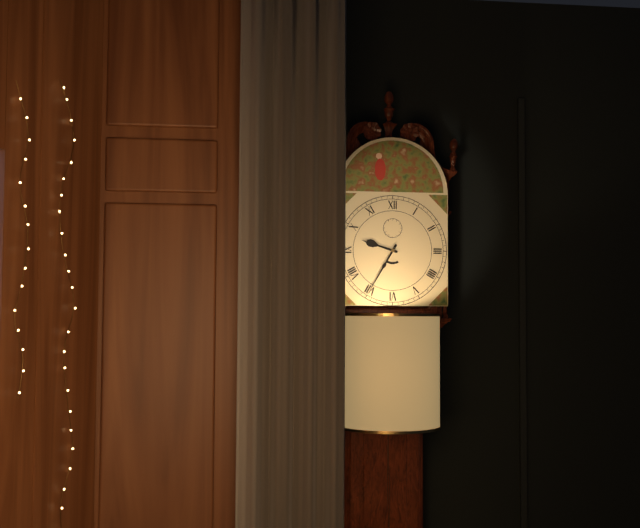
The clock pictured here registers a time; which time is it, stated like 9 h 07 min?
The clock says 9 h 35 min
